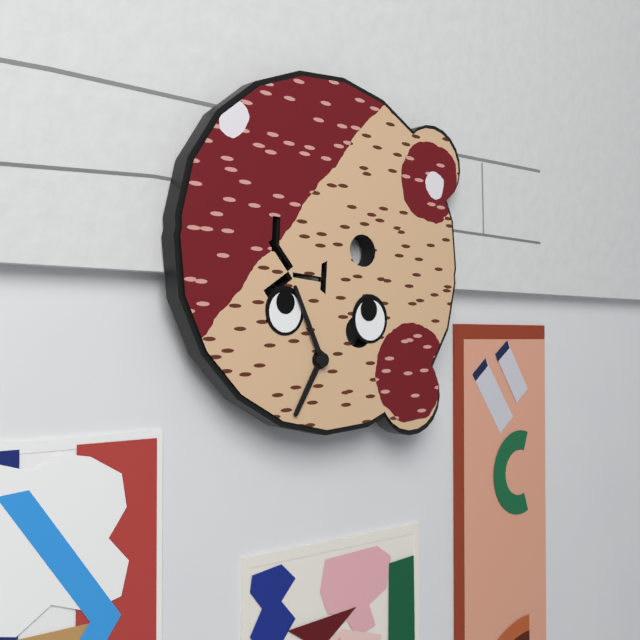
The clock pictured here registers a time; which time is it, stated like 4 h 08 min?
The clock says 6 h 55 min
